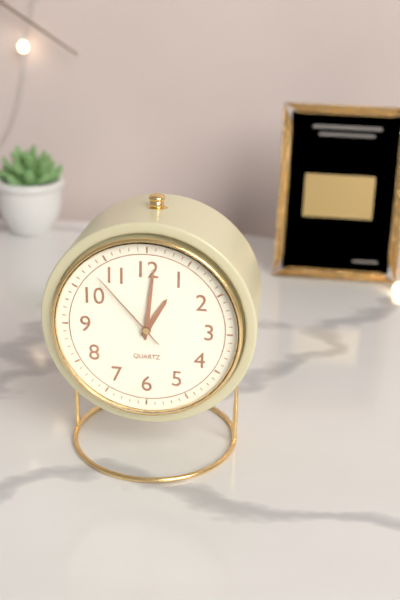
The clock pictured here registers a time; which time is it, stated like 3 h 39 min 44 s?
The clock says 1 h 01 min 53 s
